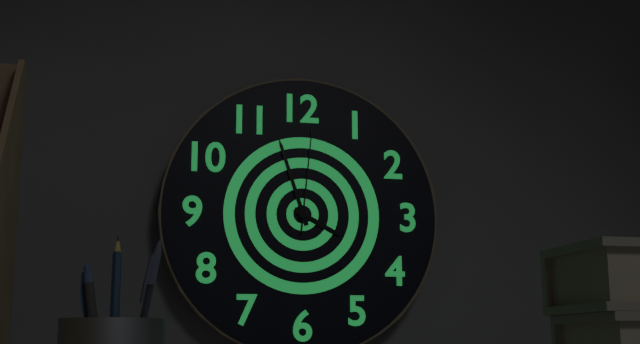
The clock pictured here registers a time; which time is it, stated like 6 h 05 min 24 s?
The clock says 3 h 57 min 01 s
